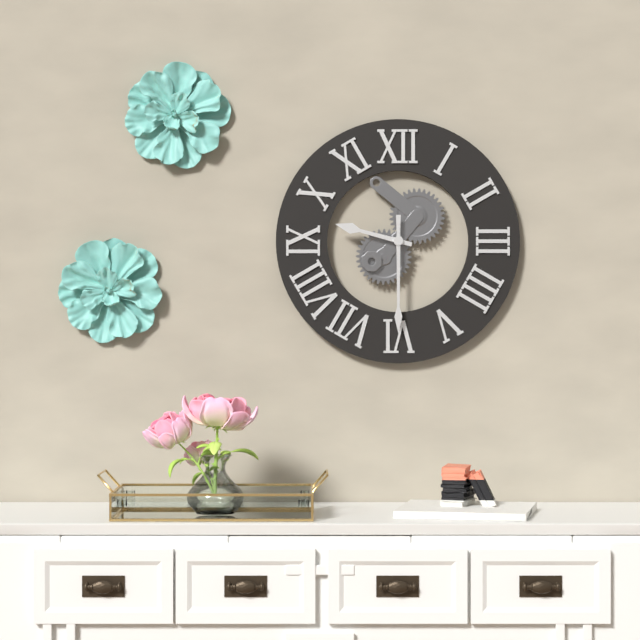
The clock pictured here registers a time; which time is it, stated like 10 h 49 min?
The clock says 9 h 30 min
